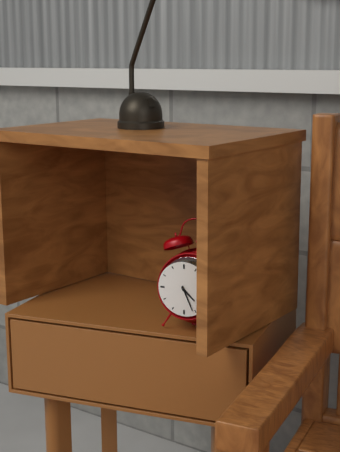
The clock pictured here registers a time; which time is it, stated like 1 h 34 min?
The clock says 4 h 26 min
